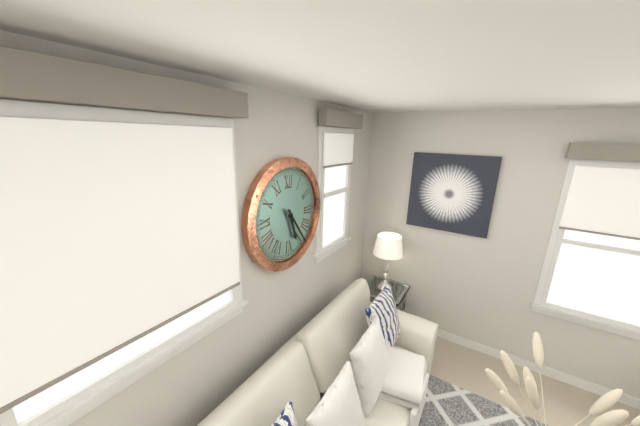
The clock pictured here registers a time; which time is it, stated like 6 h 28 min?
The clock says 5 h 24 min
